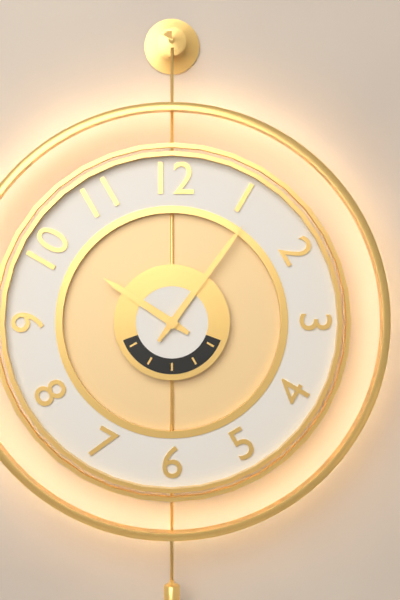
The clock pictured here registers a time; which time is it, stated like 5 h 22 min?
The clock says 10 h 06 min
